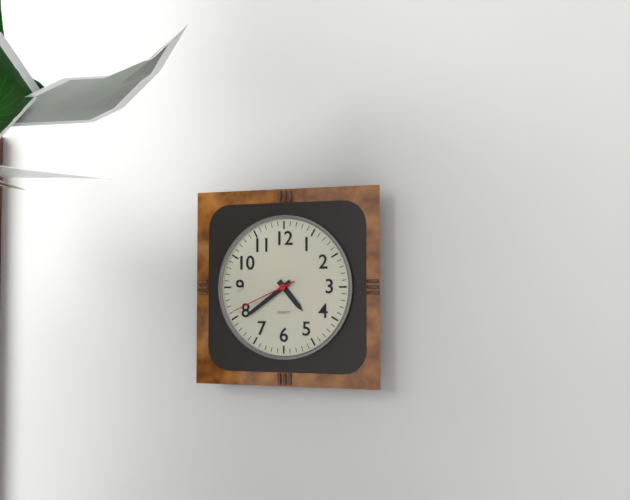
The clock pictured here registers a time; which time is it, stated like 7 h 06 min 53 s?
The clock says 4 h 39 min 41 s
